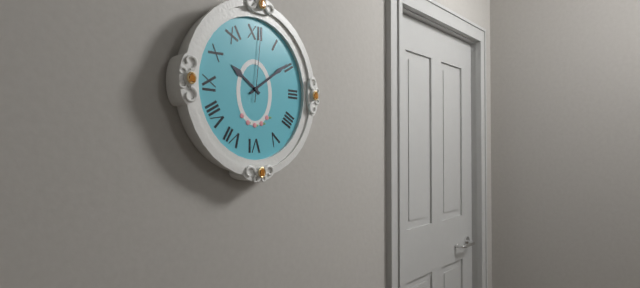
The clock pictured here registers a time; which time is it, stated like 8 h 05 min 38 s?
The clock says 10 h 09 min 01 s
